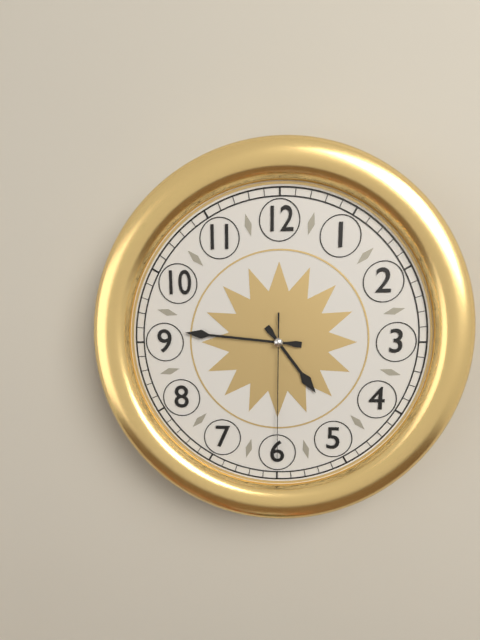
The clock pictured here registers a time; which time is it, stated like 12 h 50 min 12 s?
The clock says 4 h 46 min 30 s
